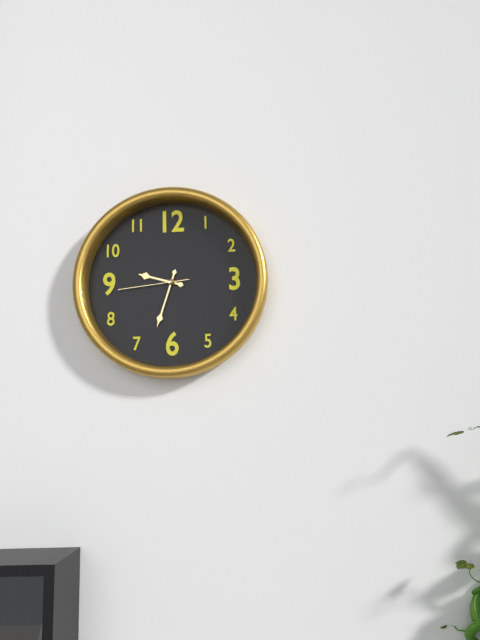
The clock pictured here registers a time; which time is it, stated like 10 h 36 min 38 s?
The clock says 9 h 33 min 44 s
